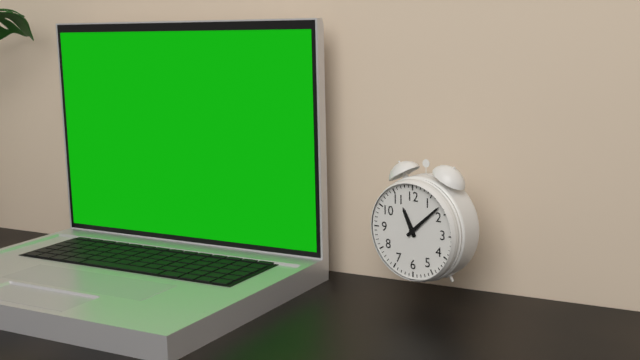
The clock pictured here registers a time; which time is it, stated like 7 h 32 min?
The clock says 11 h 08 min
